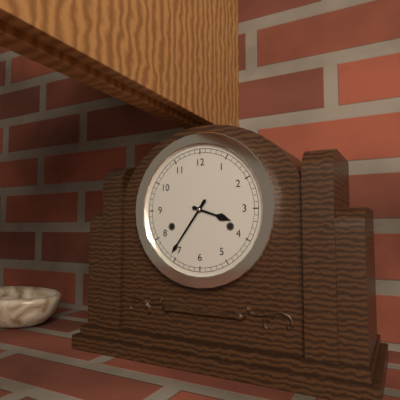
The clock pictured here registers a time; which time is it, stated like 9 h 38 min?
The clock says 3 h 36 min
